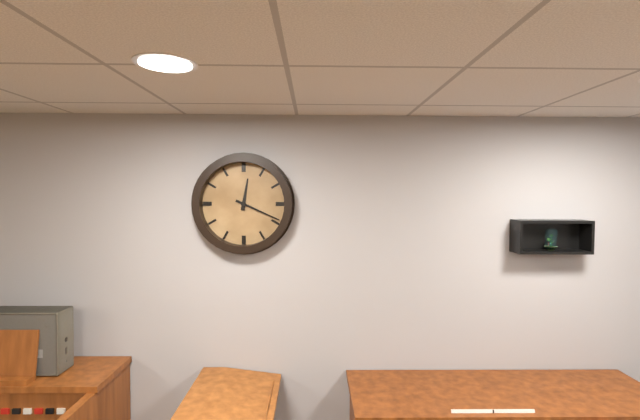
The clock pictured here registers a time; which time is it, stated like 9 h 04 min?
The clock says 12 h 19 min
